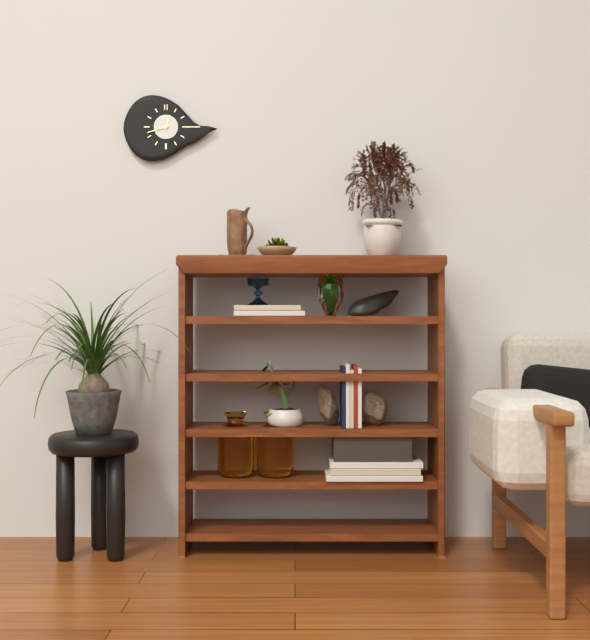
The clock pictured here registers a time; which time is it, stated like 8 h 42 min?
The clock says 12 h 42 min
